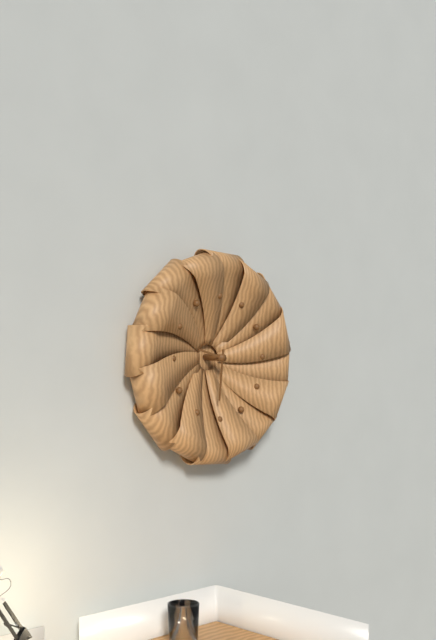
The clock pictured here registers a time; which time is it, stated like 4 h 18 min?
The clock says 9 h 31 min
